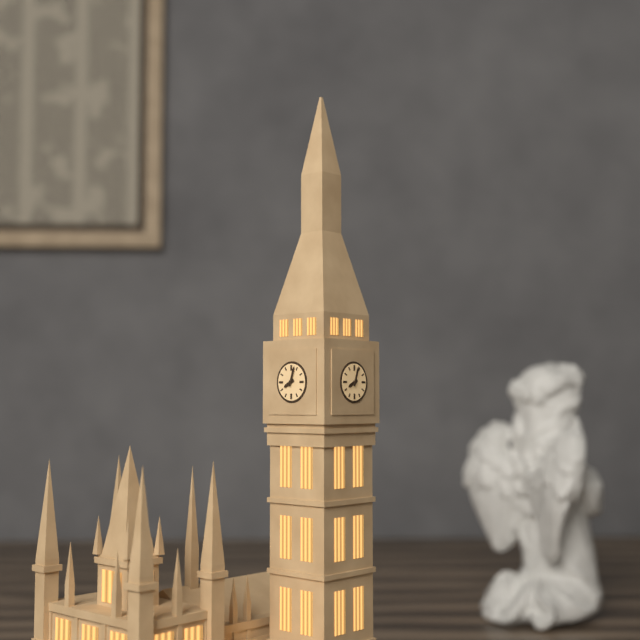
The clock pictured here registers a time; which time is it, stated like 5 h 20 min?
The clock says 8 h 03 min
